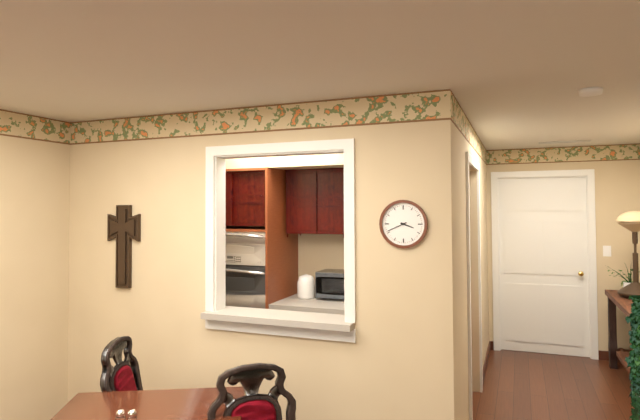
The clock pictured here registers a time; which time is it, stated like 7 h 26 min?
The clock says 3 h 41 min
